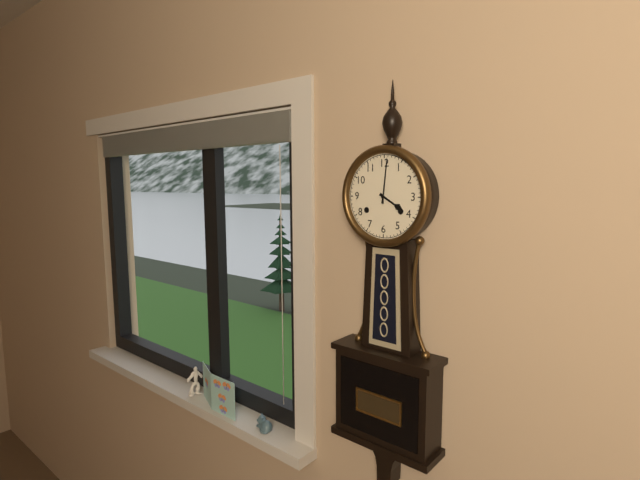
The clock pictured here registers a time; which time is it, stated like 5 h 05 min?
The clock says 4 h 01 min
